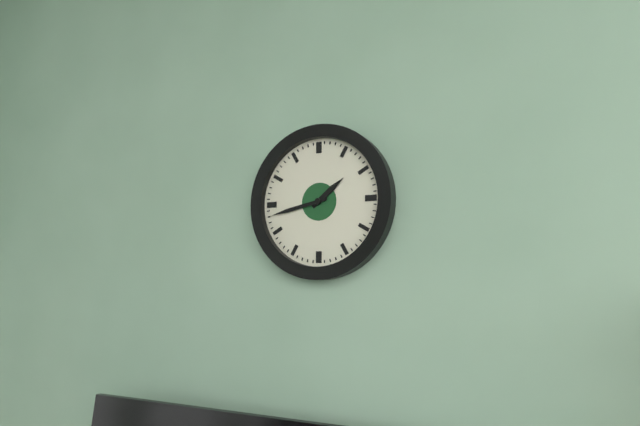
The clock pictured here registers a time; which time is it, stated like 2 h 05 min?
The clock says 1 h 43 min
